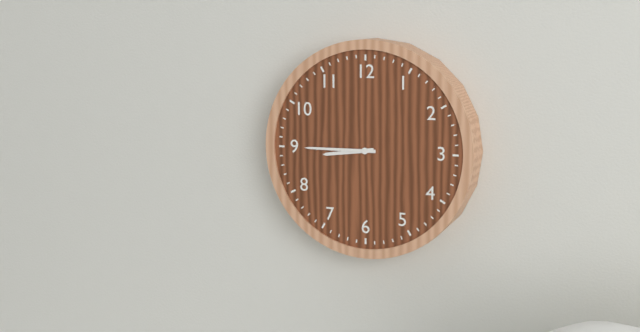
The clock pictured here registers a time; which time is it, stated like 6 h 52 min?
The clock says 8 h 45 min
